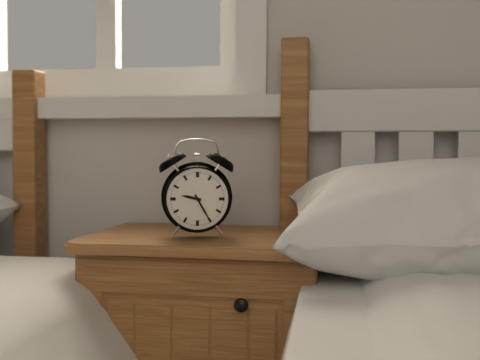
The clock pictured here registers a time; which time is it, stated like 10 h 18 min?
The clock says 9 h 25 min
